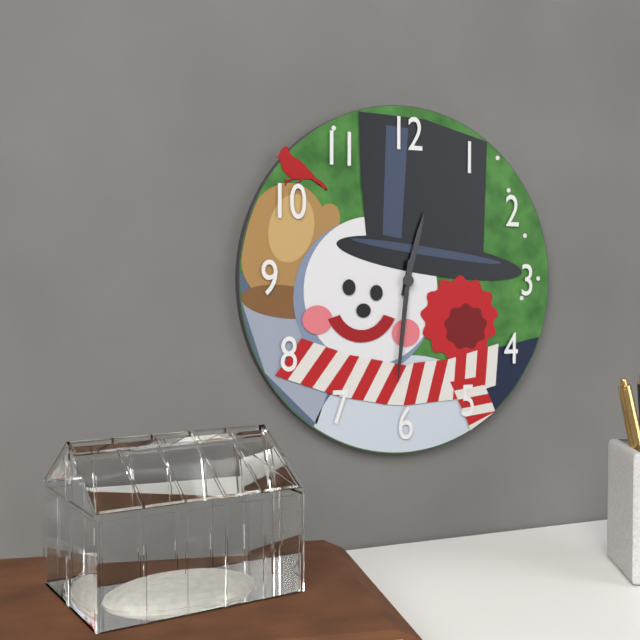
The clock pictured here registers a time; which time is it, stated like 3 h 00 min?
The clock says 12 h 31 min
